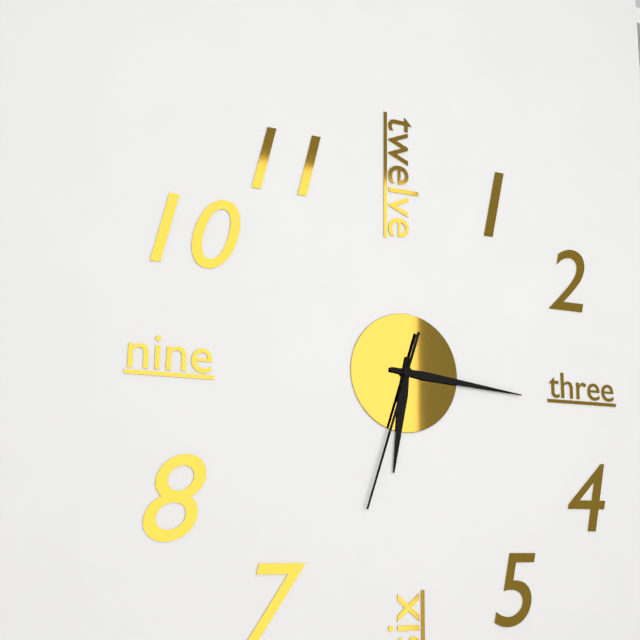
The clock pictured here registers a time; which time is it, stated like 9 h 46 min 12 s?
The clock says 6 h 16 min 33 s
